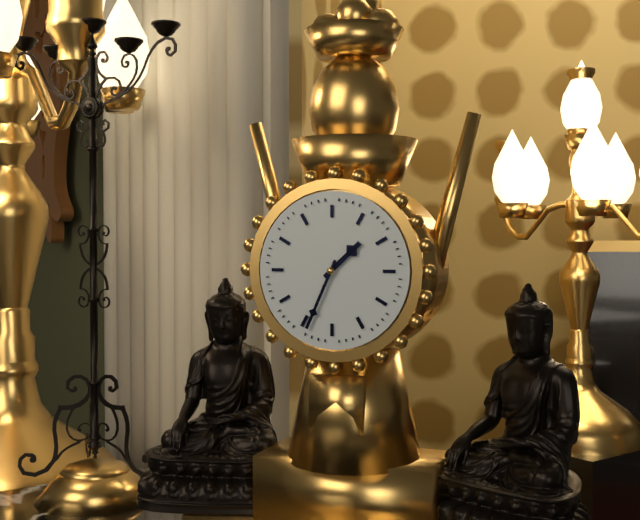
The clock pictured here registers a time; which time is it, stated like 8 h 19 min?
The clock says 1 h 34 min
